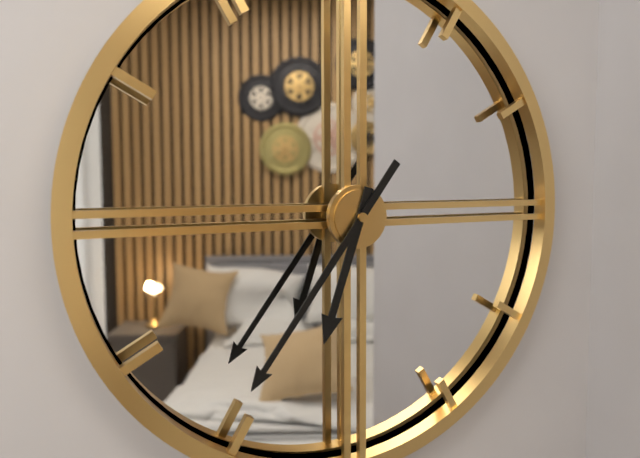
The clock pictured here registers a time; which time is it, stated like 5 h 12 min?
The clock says 6 h 36 min
